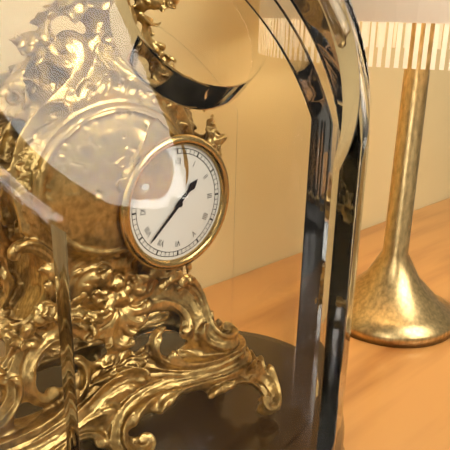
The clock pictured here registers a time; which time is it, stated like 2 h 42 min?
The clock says 1 h 38 min
